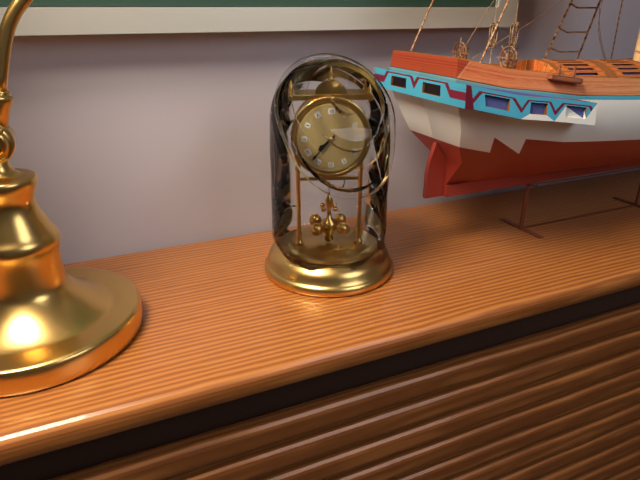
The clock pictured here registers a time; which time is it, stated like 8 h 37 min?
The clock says 7 h 37 min
